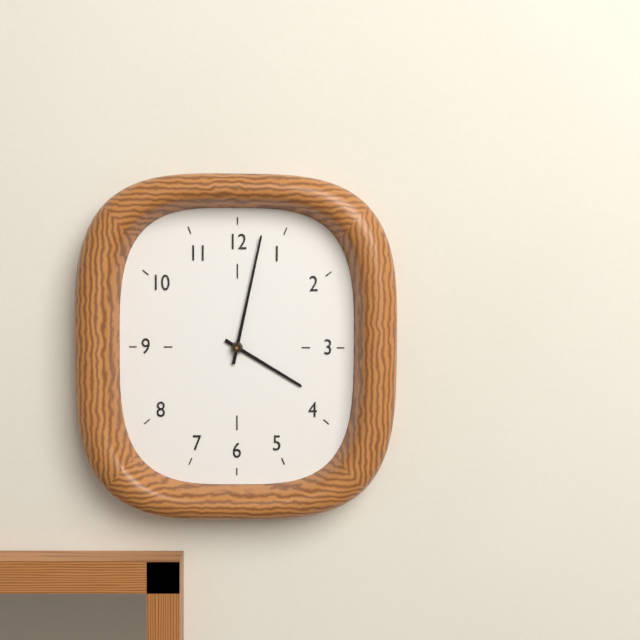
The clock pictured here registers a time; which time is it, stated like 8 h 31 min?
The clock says 4 h 02 min
